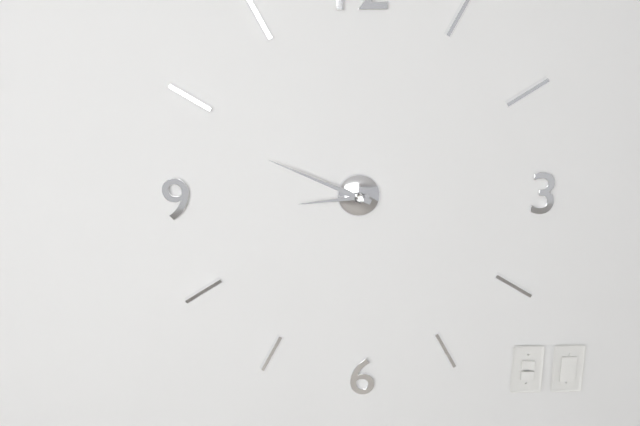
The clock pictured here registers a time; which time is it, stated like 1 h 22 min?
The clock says 8 h 49 min
